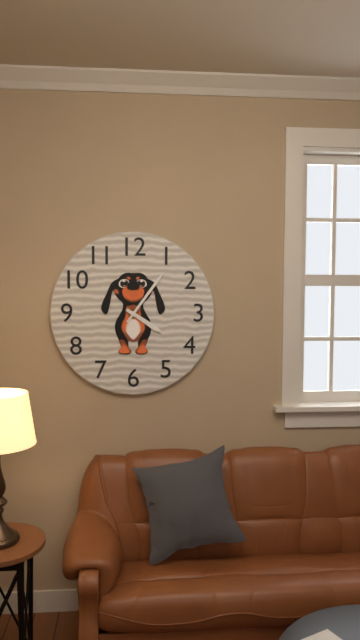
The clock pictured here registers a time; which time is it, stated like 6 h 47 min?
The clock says 4 h 06 min
